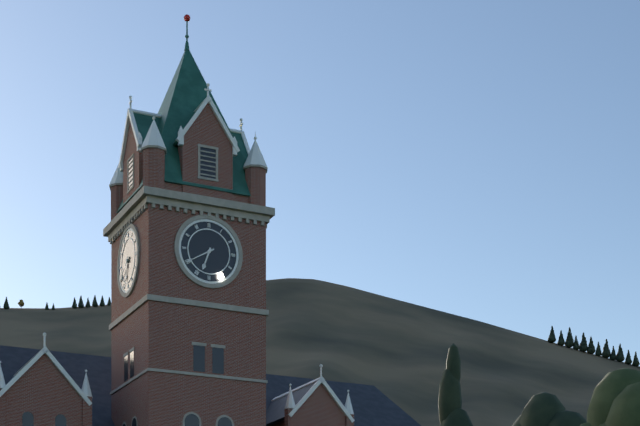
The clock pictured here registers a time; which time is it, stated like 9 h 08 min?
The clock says 6 h 40 min
